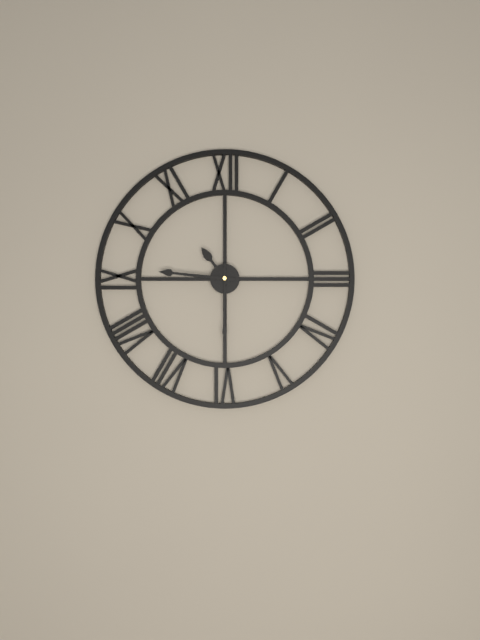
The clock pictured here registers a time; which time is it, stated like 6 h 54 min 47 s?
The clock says 10 h 46 min 30 s
